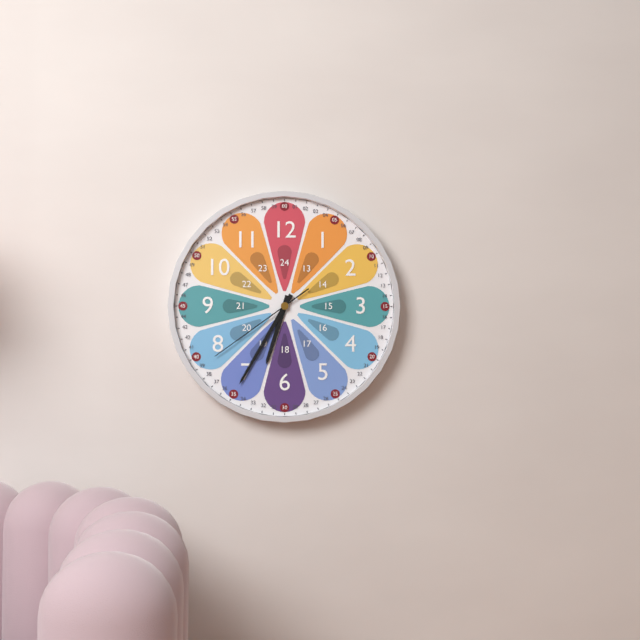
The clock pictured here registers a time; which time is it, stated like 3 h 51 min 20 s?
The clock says 6 h 35 min 39 s
